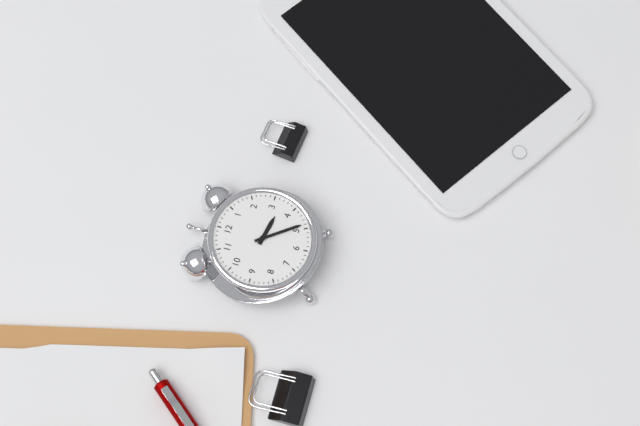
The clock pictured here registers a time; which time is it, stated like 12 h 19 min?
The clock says 3 h 24 min
